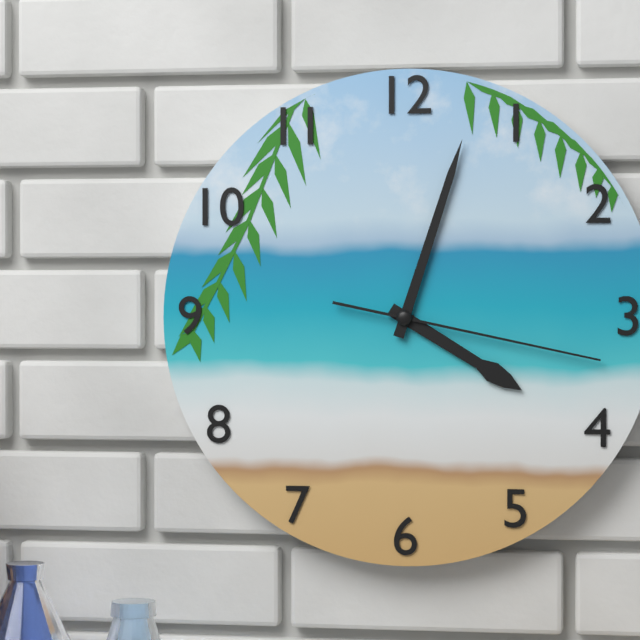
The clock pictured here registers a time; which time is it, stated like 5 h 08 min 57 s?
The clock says 4 h 03 min 17 s
